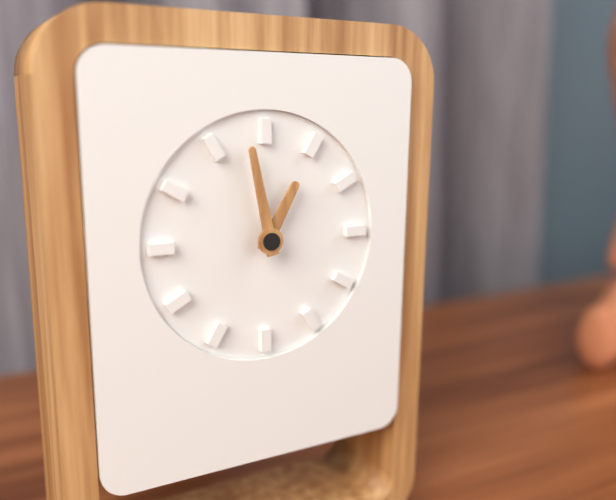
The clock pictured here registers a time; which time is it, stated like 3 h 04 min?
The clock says 12 h 58 min
